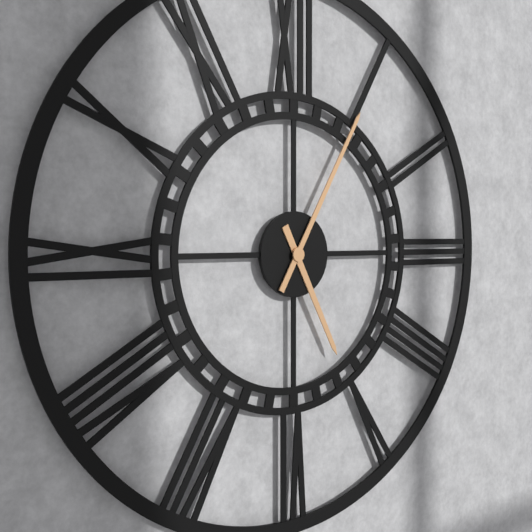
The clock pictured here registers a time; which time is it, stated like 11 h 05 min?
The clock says 5 h 05 min
